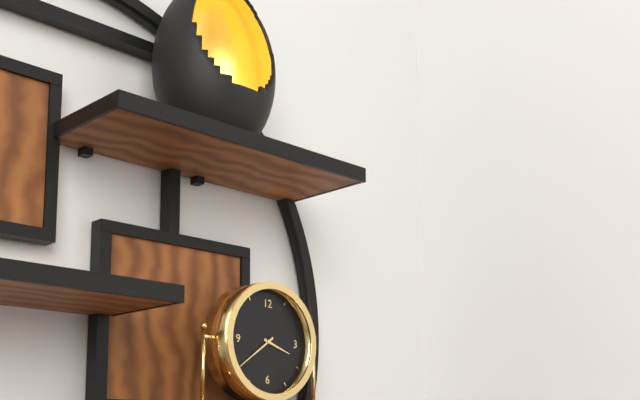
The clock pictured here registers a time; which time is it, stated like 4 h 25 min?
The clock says 3 h 39 min
